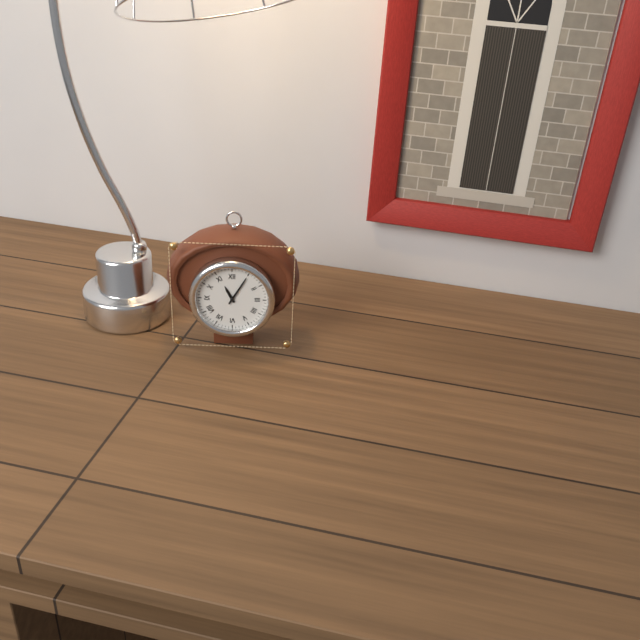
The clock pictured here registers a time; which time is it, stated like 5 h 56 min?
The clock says 11 h 05 min
